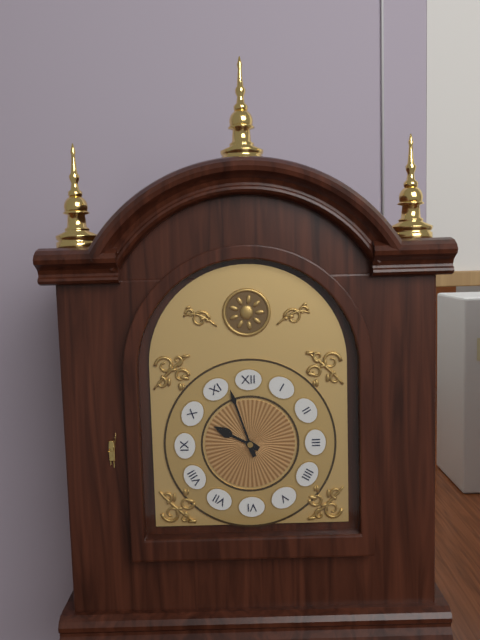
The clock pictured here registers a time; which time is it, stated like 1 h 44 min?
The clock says 9 h 57 min
